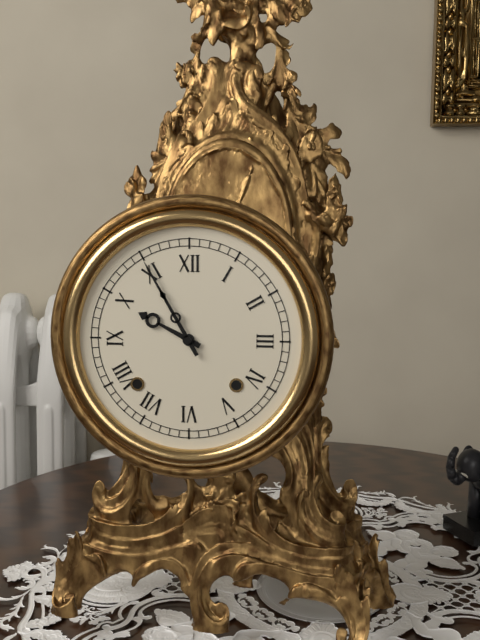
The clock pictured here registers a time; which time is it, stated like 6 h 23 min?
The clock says 9 h 55 min
